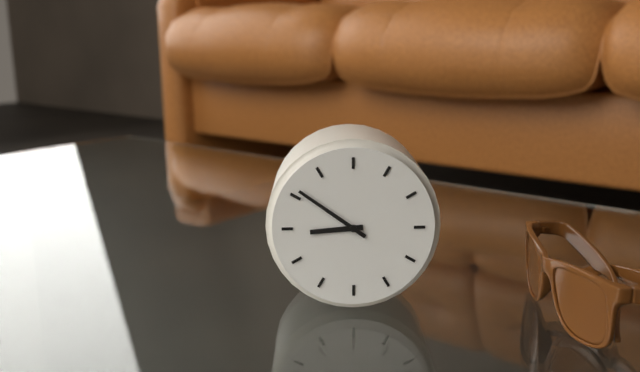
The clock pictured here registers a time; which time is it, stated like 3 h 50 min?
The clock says 8 h 51 min
